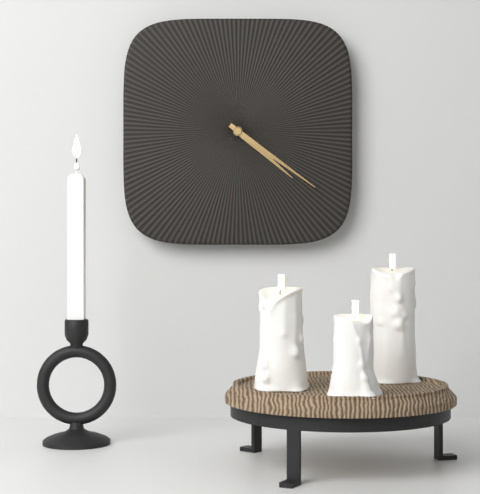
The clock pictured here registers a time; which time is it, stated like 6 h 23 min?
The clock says 4 h 21 min
